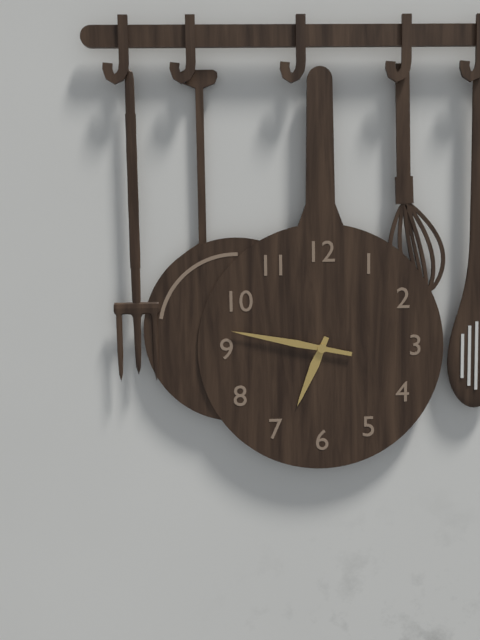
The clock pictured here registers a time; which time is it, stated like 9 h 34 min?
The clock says 6 h 47 min
